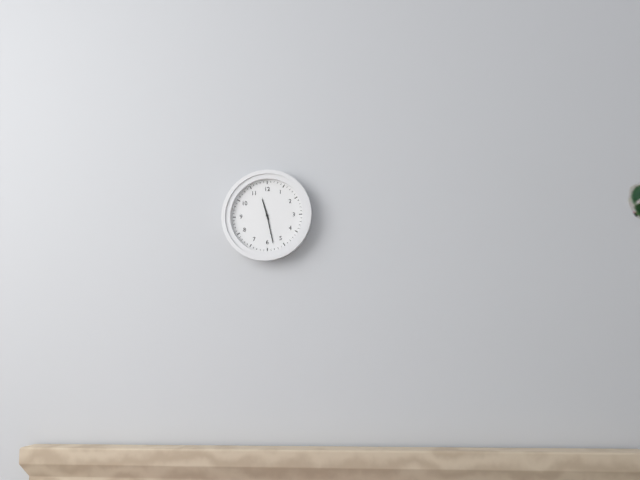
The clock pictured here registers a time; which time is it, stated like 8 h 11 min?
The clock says 11 h 28 min
